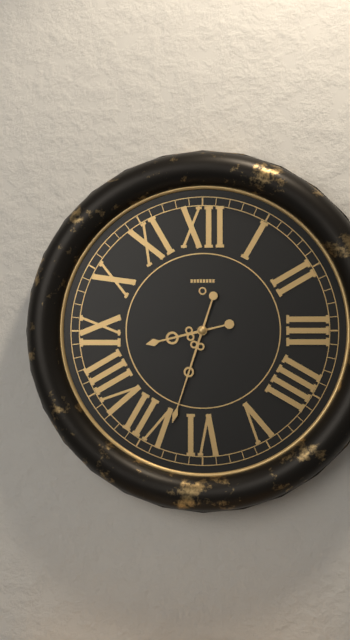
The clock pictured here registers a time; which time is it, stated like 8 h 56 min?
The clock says 8 h 33 min
